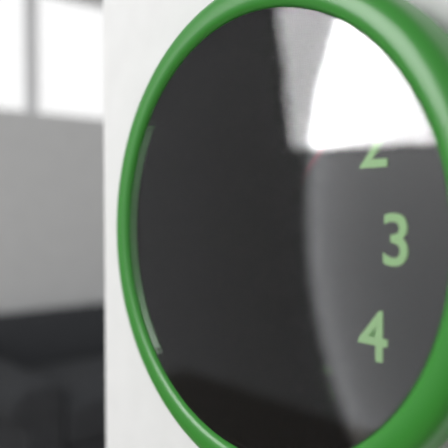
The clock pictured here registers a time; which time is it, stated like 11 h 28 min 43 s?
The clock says 8 h 48 min 08 s
